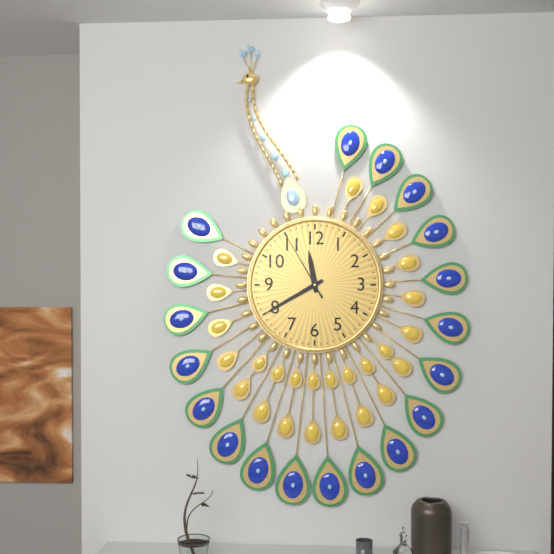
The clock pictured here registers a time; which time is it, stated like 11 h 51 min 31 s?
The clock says 11 h 40 min 55 s
